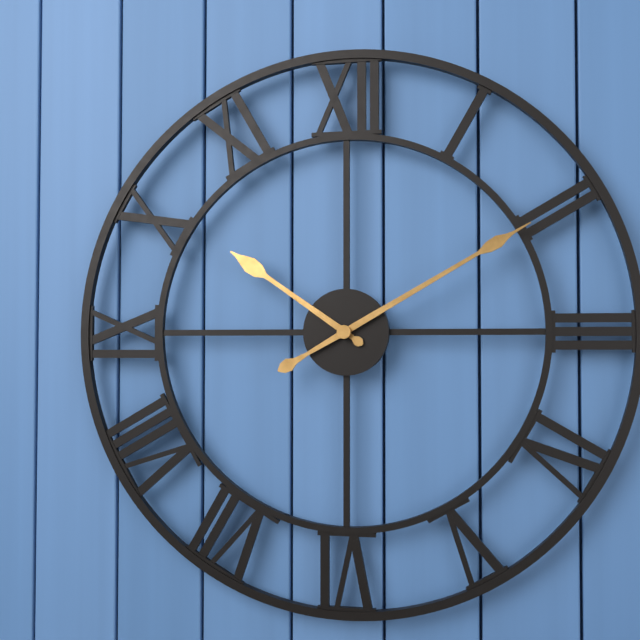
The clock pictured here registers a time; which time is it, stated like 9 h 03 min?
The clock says 10 h 10 min
